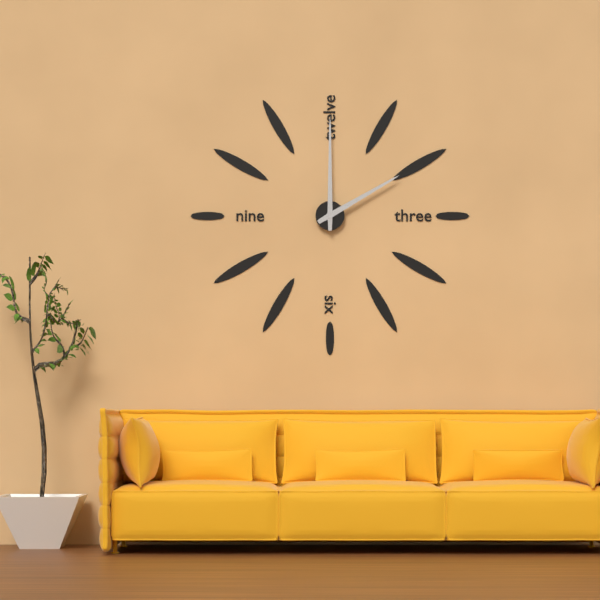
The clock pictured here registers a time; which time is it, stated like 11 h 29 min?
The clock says 2 h 00 min
